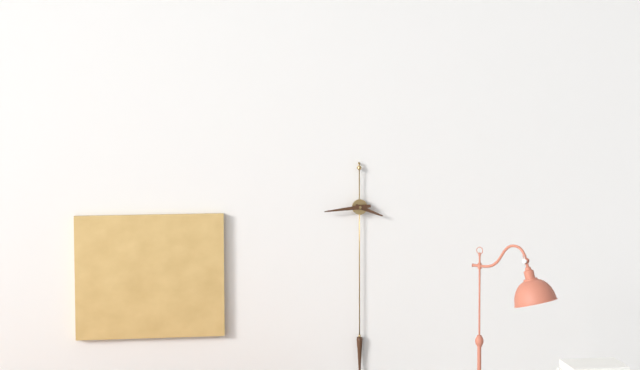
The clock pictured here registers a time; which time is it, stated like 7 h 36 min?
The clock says 3 h 44 min
